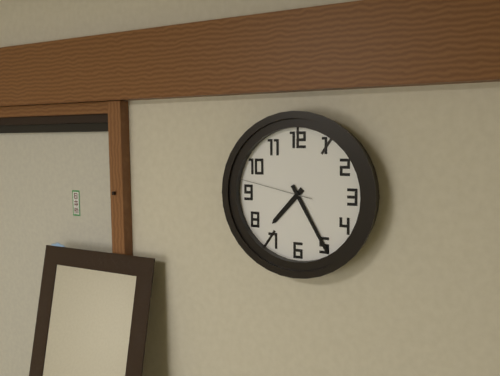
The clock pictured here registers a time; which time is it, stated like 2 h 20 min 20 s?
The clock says 7 h 25 min 47 s
